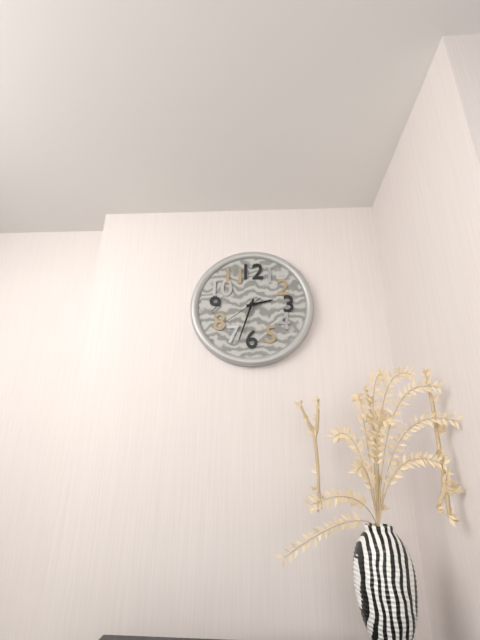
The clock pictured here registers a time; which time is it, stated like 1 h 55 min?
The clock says 2 h 33 min
